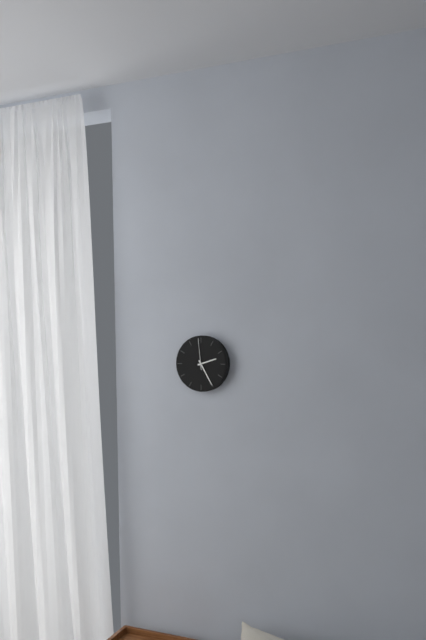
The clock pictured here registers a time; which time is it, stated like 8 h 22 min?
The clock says 2 h 25 min
